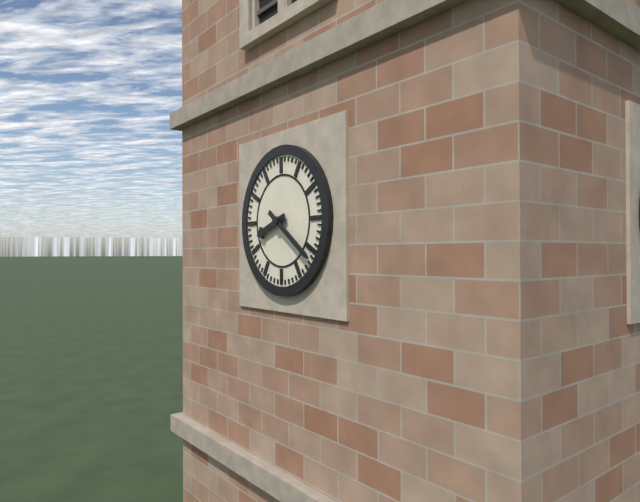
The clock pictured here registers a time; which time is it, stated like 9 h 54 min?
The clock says 8 h 21 min
